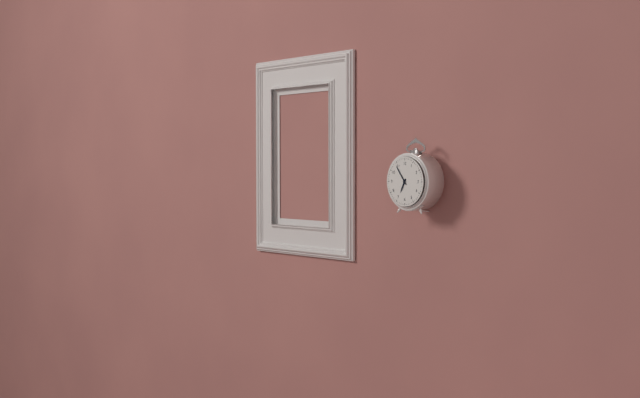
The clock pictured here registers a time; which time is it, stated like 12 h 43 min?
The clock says 6 h 54 min
